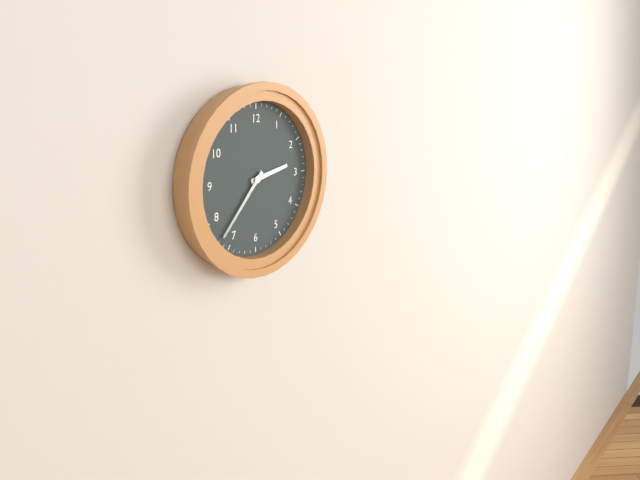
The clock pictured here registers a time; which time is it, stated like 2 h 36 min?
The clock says 2 h 37 min
